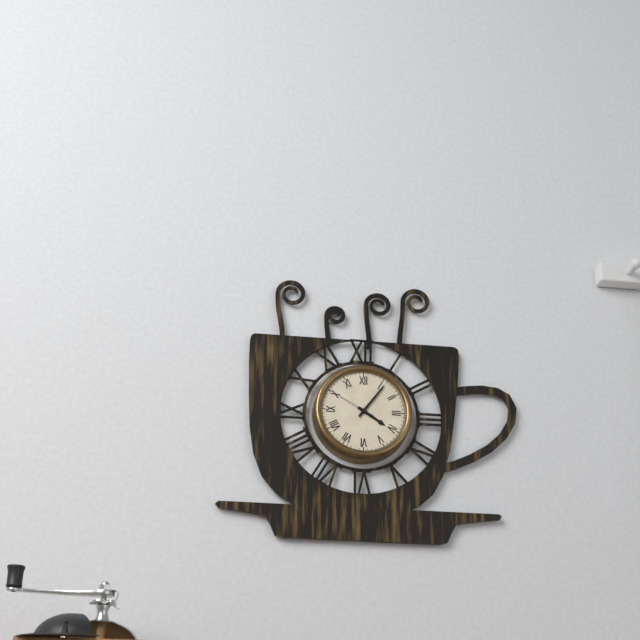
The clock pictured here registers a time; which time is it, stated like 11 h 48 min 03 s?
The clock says 4 h 06 min 50 s
